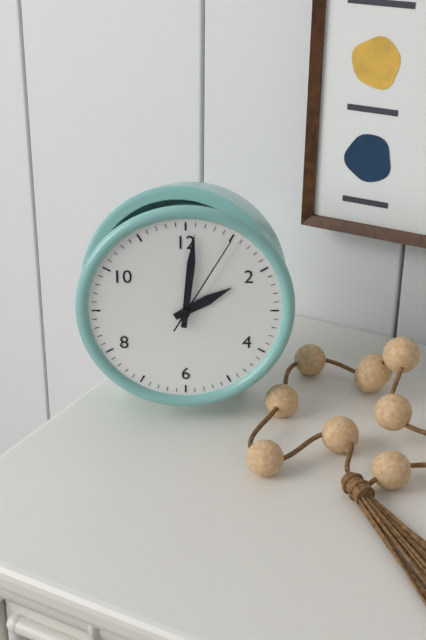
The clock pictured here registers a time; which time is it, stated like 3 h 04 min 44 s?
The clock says 2 h 01 min 05 s
